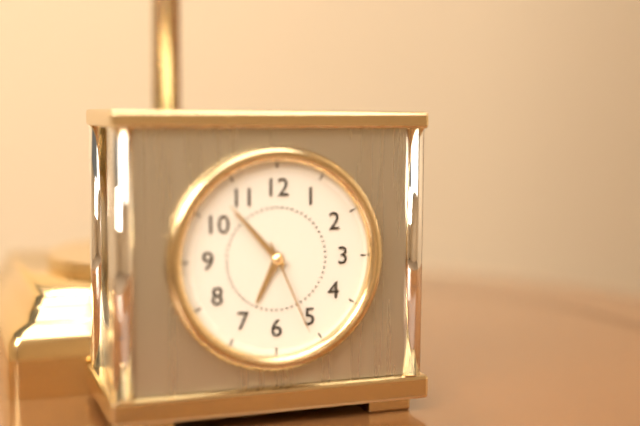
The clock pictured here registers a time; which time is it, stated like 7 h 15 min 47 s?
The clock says 6 h 53 min 26 s
